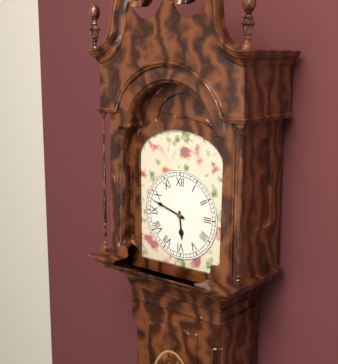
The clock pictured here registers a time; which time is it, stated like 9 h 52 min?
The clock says 5 h 48 min
